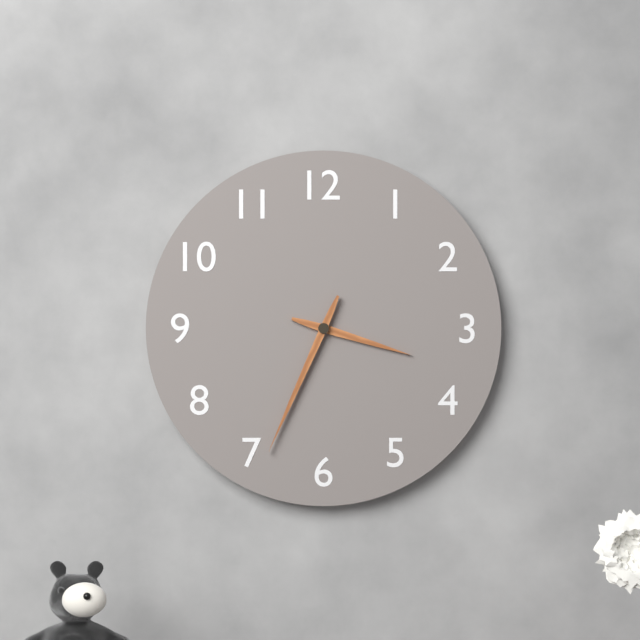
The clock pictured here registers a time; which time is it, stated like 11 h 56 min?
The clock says 3 h 34 min
